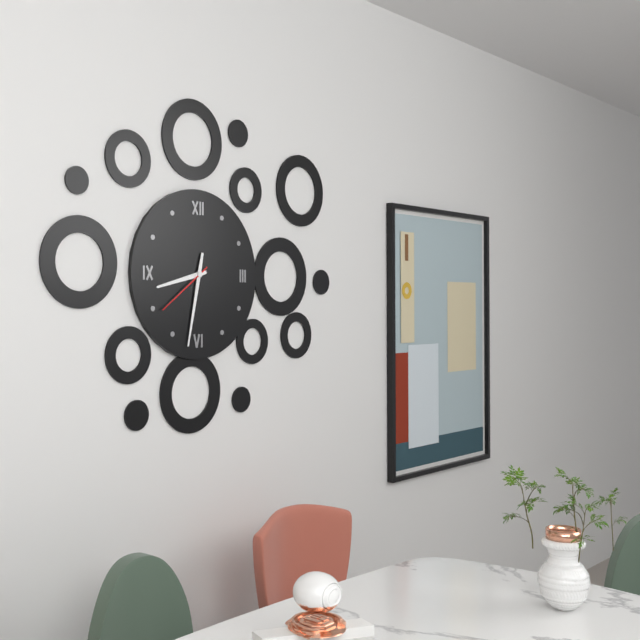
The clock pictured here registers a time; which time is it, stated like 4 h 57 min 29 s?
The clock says 8 h 32 min 39 s
